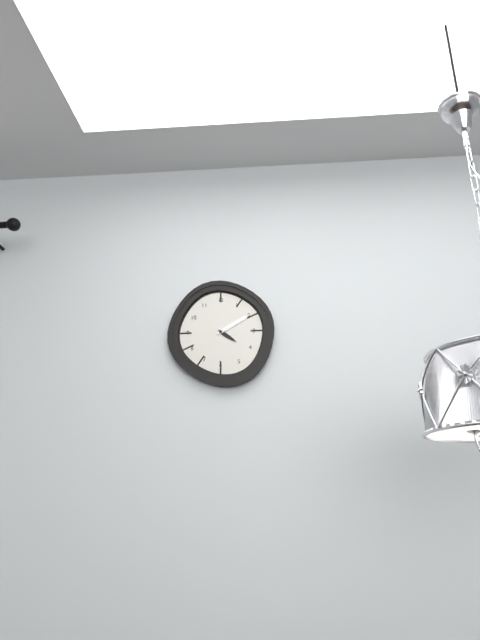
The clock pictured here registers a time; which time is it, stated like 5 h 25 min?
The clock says 4 h 10 min
